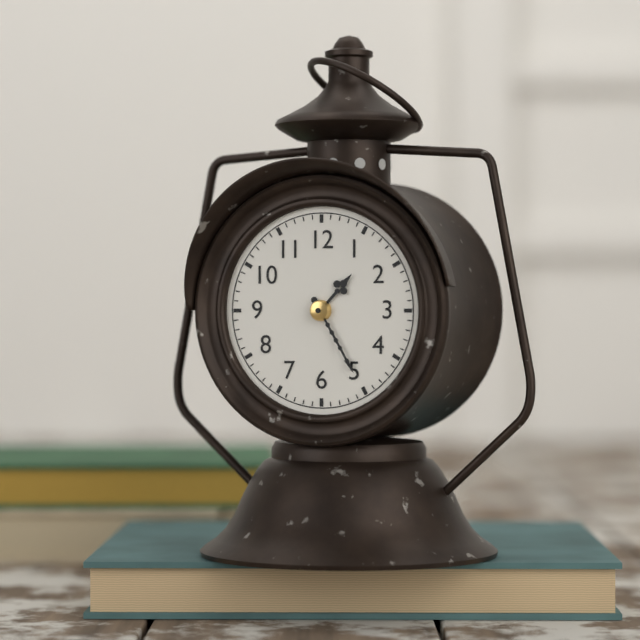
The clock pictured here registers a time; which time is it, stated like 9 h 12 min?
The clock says 1 h 25 min
